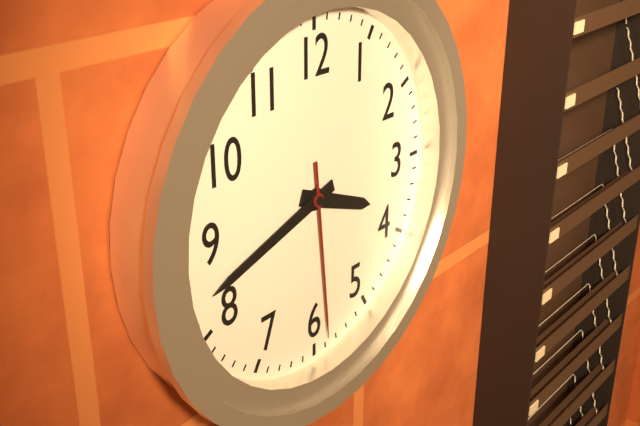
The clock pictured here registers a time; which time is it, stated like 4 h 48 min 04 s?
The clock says 3 h 42 min 29 s
